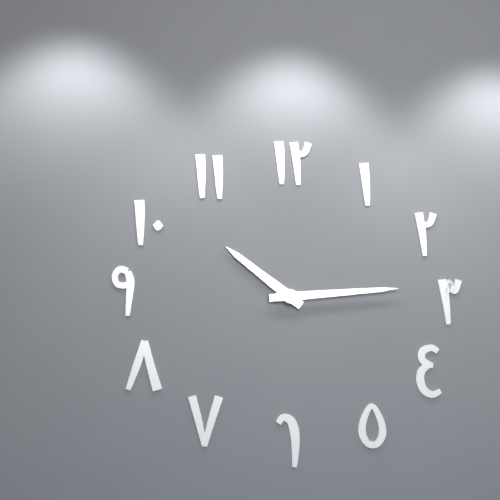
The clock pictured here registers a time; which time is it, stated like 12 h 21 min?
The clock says 10 h 14 min
